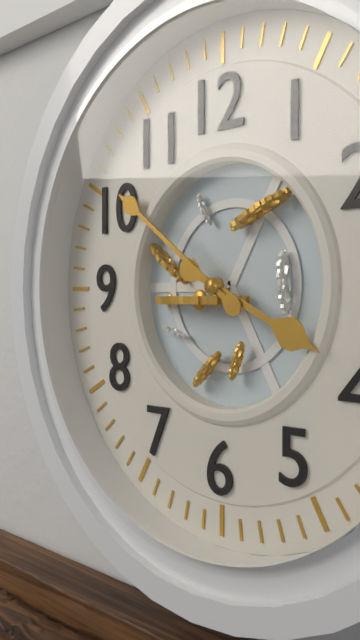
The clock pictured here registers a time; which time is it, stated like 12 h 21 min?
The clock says 3 h 51 min
